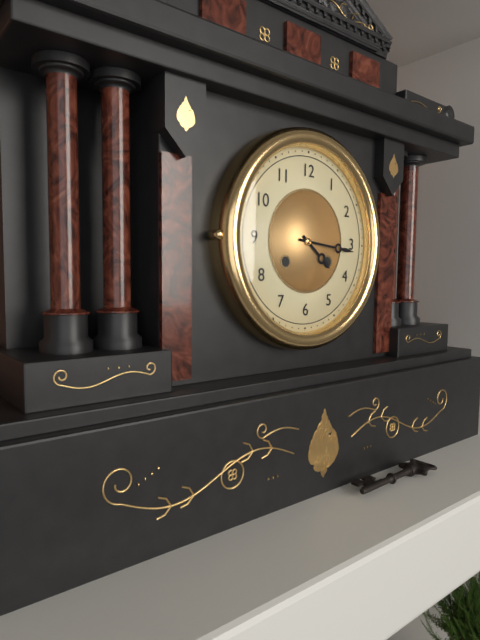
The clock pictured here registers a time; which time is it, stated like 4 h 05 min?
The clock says 4 h 16 min
